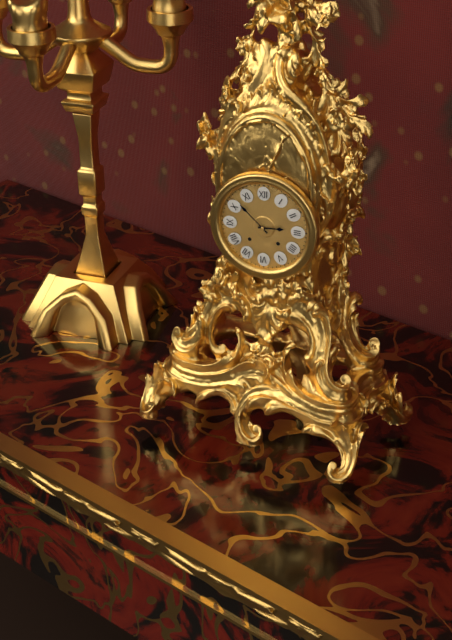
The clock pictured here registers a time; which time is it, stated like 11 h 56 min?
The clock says 2 h 52 min
